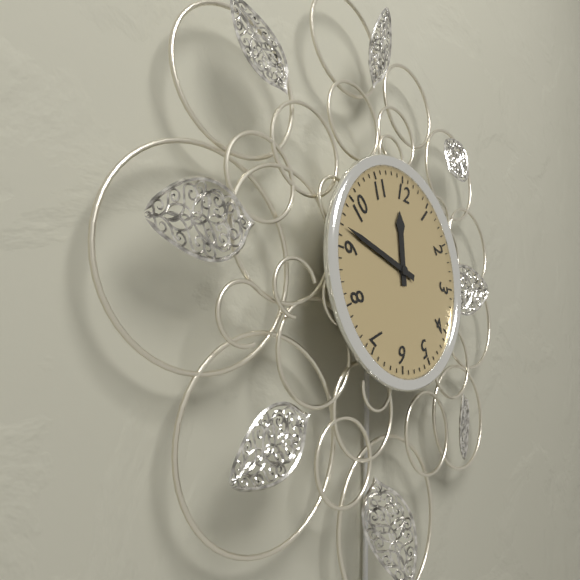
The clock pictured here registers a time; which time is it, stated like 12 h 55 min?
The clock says 11 h 47 min
